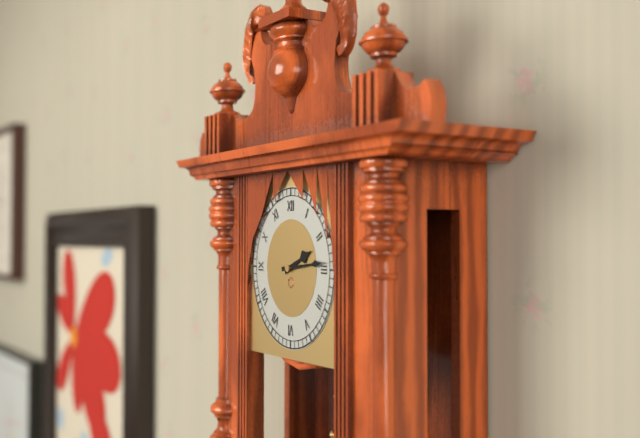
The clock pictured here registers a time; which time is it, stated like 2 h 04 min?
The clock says 2 h 14 min
